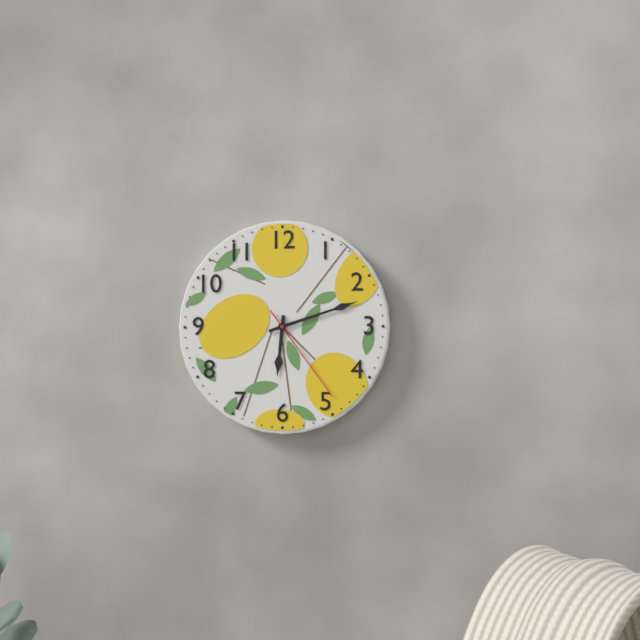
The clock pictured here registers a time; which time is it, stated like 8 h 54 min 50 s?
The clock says 6 h 12 min 24 s
